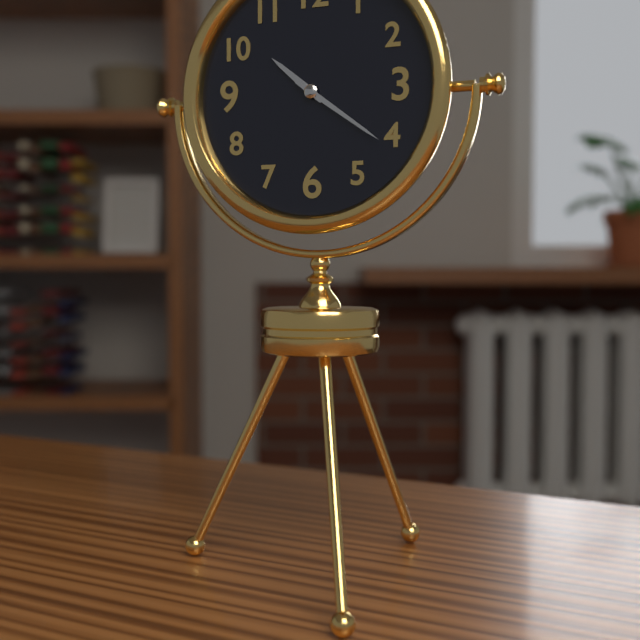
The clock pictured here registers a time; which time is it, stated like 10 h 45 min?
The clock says 10 h 21 min
